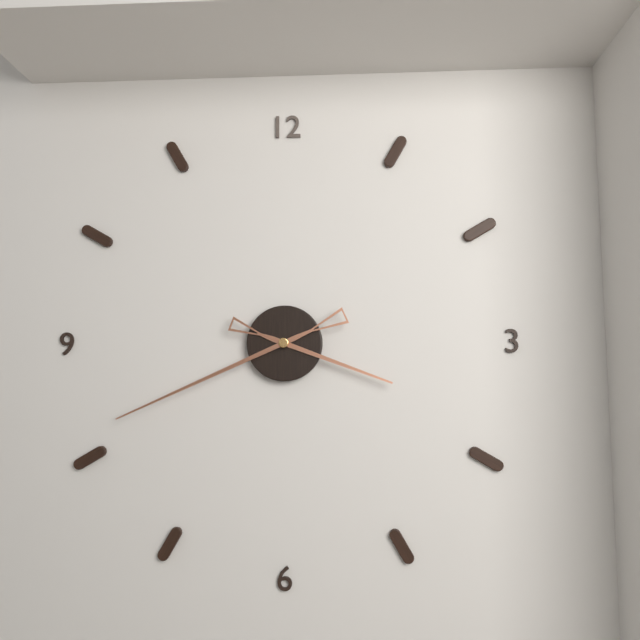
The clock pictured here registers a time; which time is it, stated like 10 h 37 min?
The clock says 3 h 41 min
